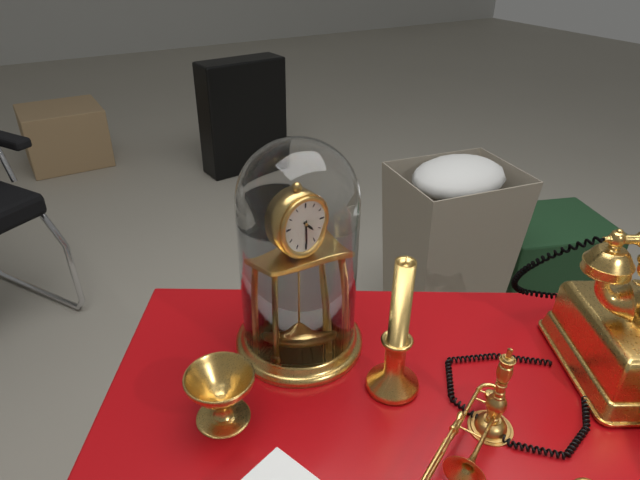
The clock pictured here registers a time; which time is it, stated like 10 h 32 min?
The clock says 4 h 30 min
